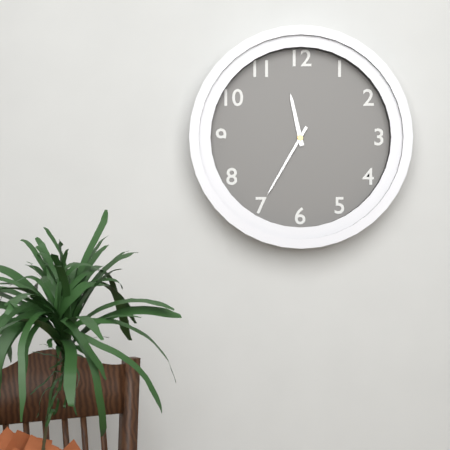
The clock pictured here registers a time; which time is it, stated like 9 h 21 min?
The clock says 11 h 35 min
